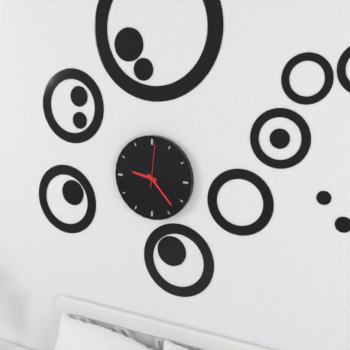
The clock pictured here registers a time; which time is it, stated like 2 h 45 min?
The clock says 9 h 23 min
